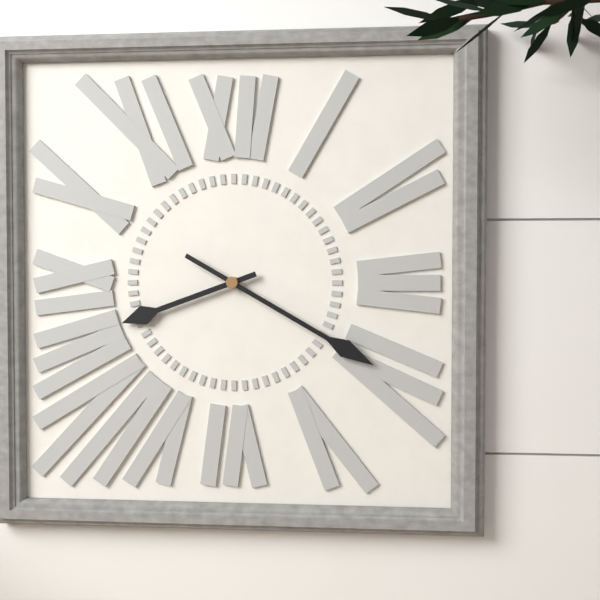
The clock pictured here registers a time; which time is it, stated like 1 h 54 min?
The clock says 8 h 20 min
